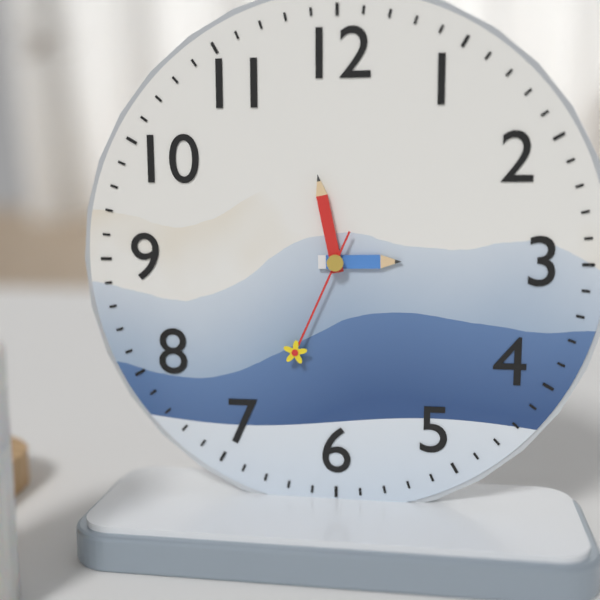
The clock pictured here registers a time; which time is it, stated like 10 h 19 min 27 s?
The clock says 2 h 58 min 34 s
